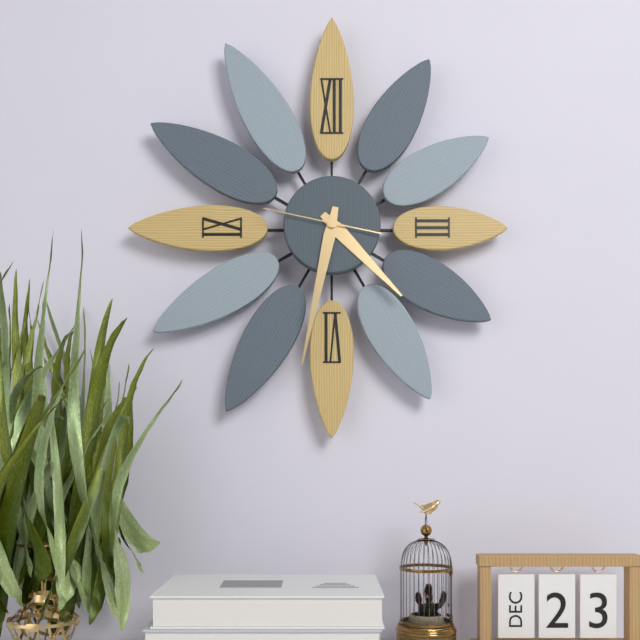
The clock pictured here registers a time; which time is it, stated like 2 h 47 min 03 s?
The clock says 4 h 32 min 47 s
